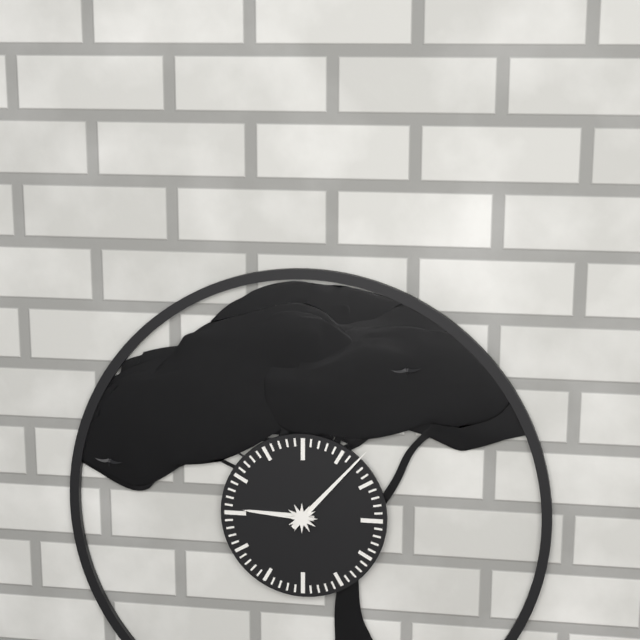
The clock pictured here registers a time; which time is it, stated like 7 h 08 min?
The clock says 9 h 07 min
